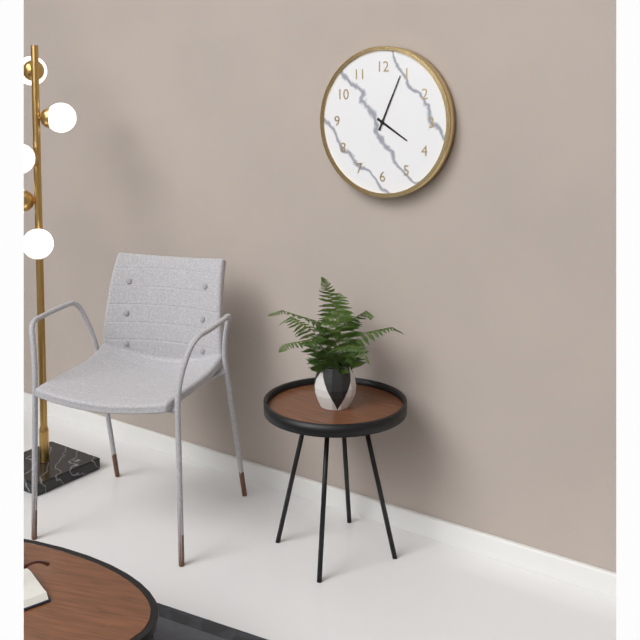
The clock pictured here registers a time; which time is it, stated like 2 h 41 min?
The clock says 4 h 04 min
